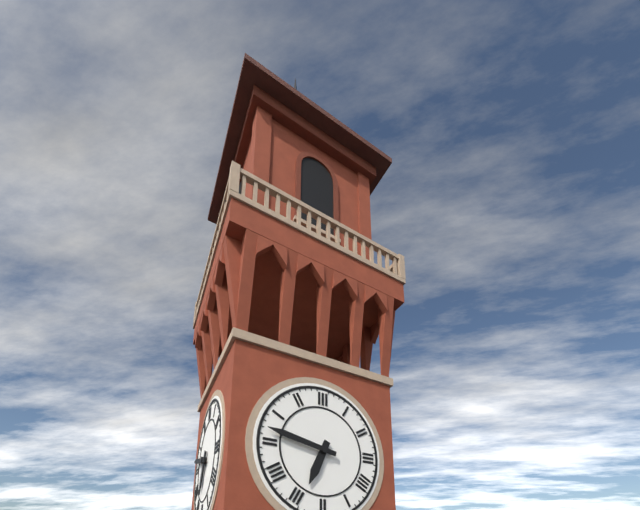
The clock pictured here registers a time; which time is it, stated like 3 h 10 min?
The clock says 6 h 47 min
